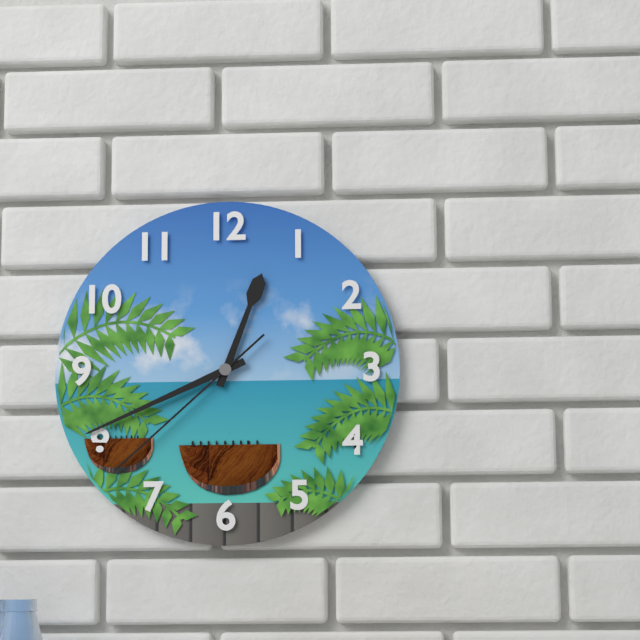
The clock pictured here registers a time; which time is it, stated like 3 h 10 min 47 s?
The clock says 12 h 41 min 38 s
